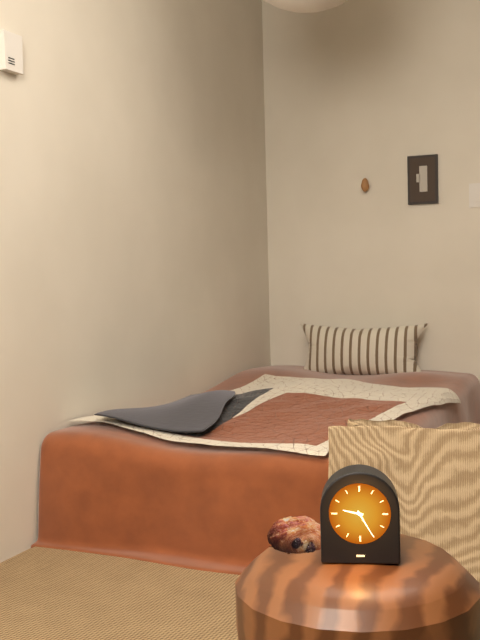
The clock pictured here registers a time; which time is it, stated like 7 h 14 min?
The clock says 9 h 25 min
